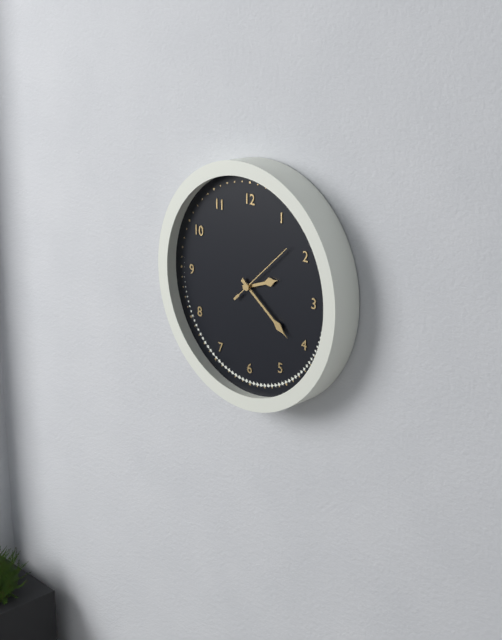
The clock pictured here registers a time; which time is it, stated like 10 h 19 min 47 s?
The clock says 2 h 21 min 08 s
